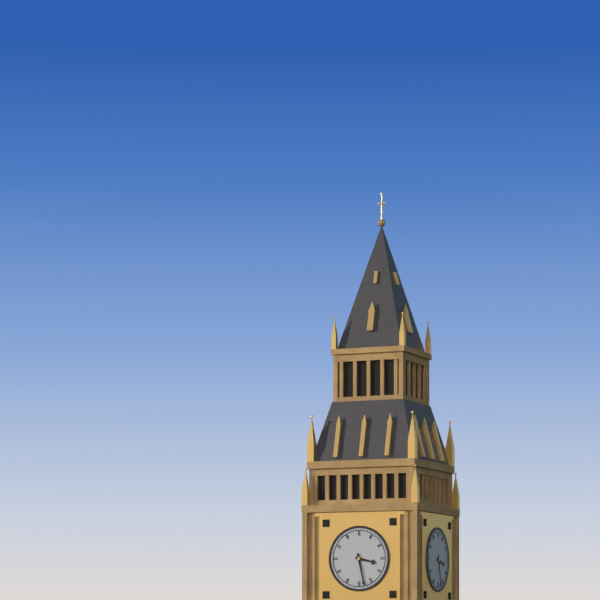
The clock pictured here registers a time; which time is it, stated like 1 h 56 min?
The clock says 3 h 28 min
